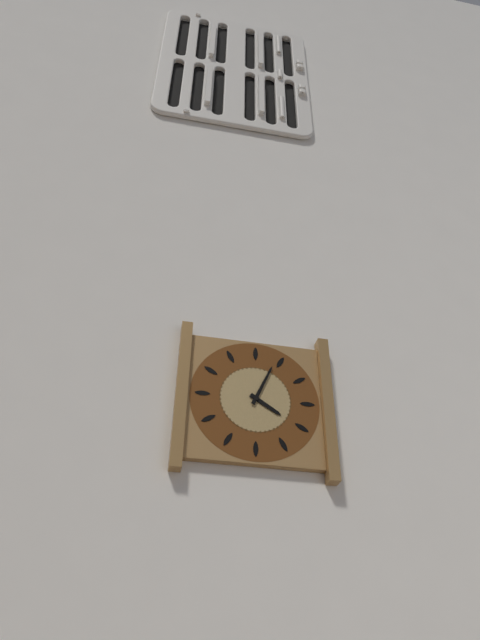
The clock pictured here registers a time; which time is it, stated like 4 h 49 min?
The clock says 4 h 04 min
